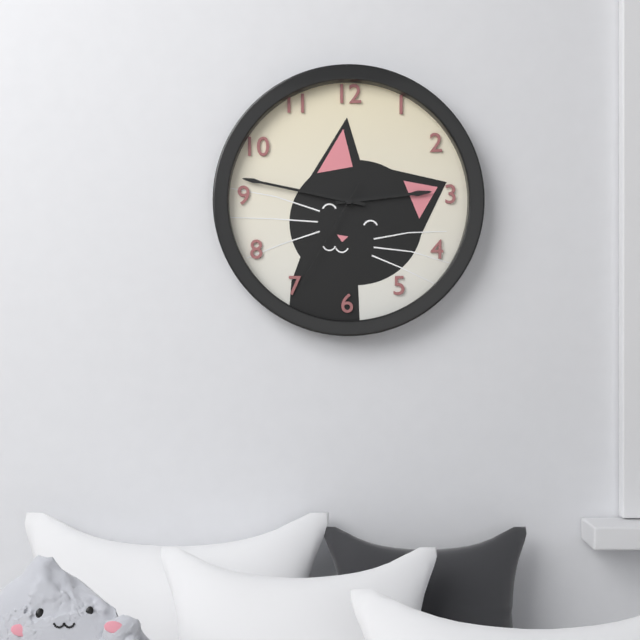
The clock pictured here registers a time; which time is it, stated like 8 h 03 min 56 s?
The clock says 2 h 47 min 35 s
